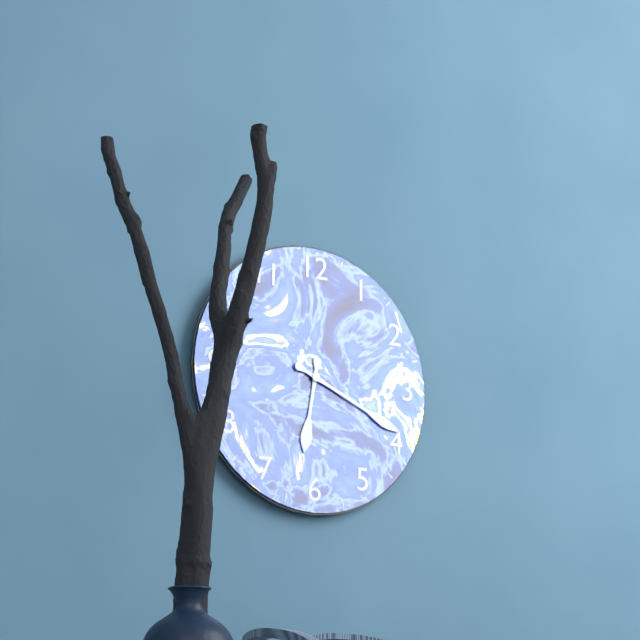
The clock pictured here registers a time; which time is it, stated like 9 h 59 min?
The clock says 6 h 19 min
